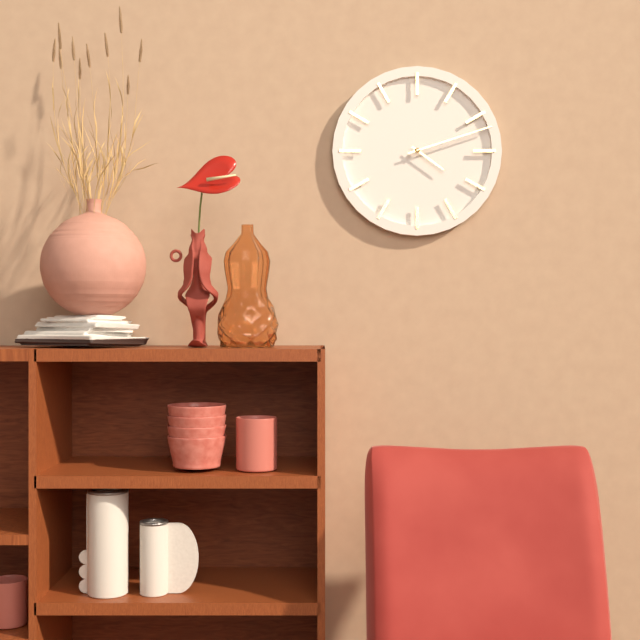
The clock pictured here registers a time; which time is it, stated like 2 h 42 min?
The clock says 4 h 12 min
